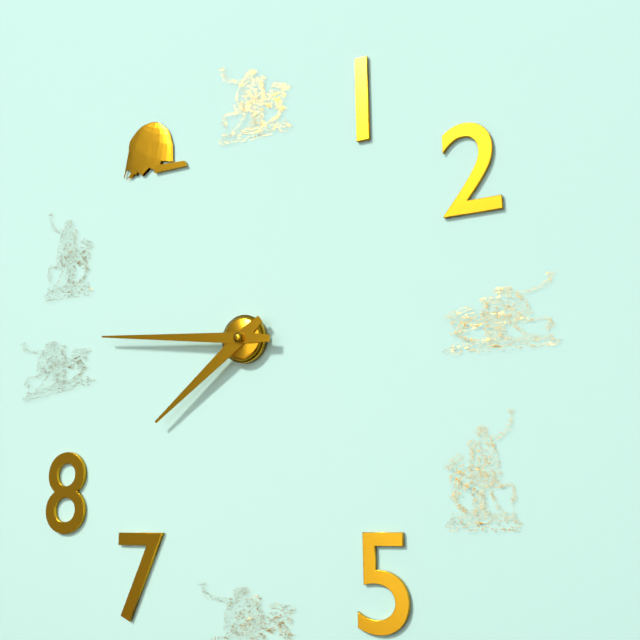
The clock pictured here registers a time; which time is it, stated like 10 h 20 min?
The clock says 7 h 46 min
